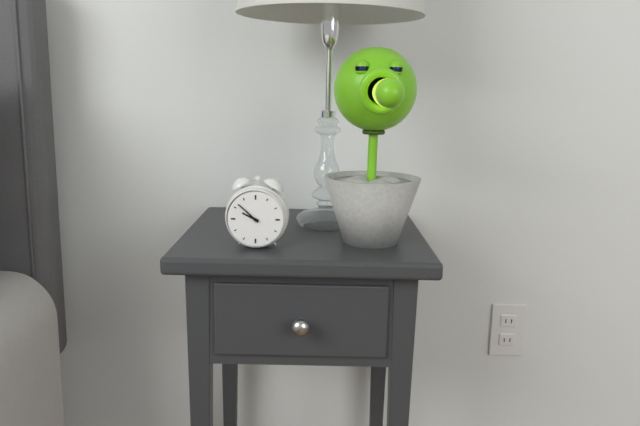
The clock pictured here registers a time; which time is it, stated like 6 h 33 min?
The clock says 9 h 52 min
